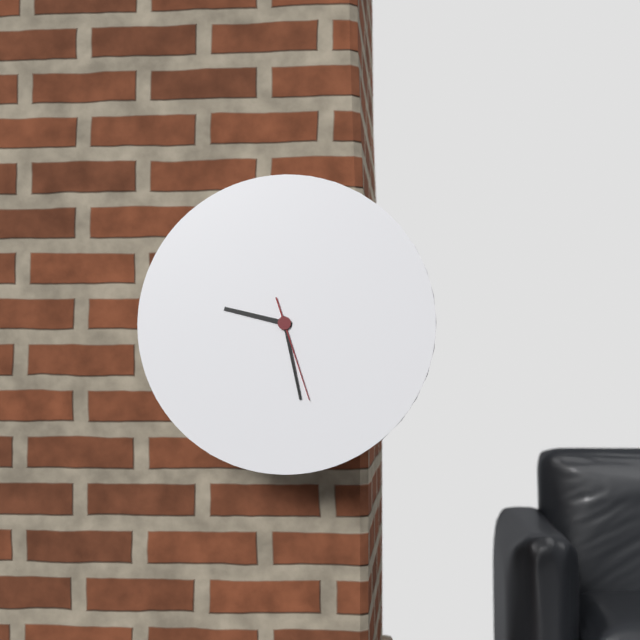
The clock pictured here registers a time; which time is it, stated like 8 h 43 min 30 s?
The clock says 9 h 28 min 27 s
